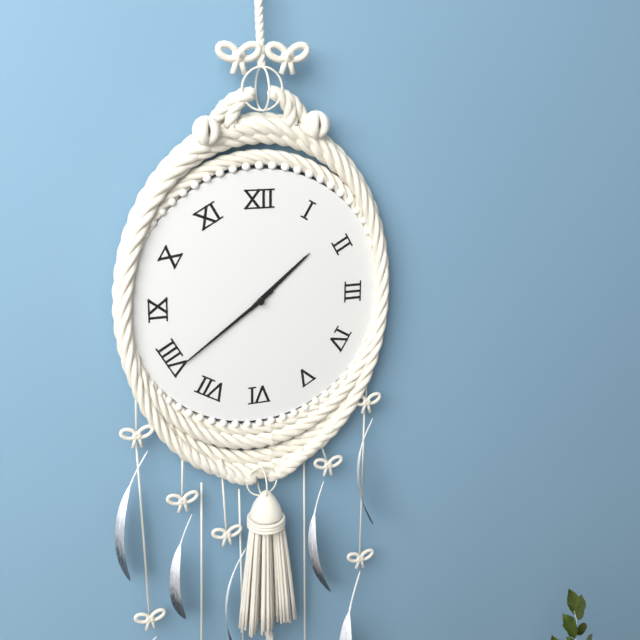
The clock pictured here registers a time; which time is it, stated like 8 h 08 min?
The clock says 1 h 39 min
